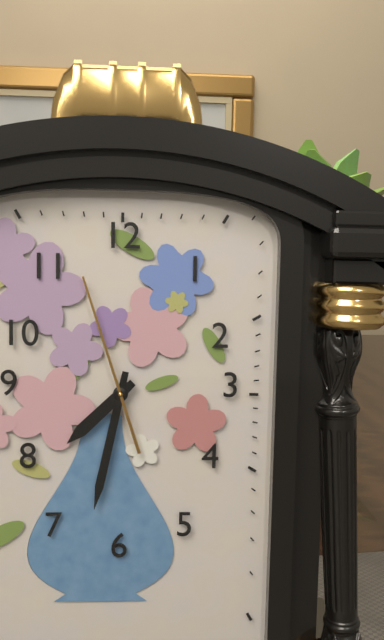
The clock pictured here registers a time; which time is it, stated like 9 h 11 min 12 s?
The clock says 7 h 32 min 57 s
